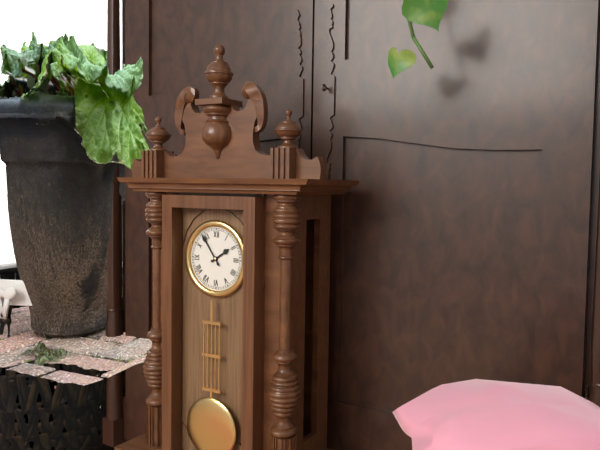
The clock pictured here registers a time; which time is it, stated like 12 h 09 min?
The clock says 1 h 54 min
